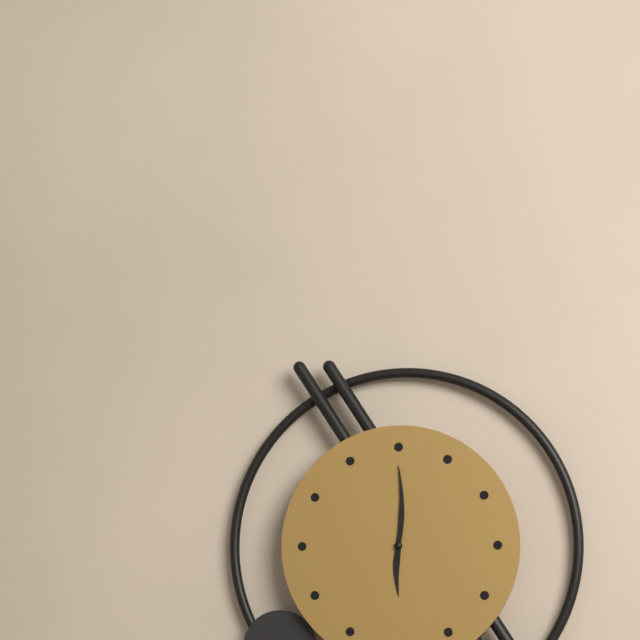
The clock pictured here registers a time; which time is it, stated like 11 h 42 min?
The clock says 6 h 00 min
